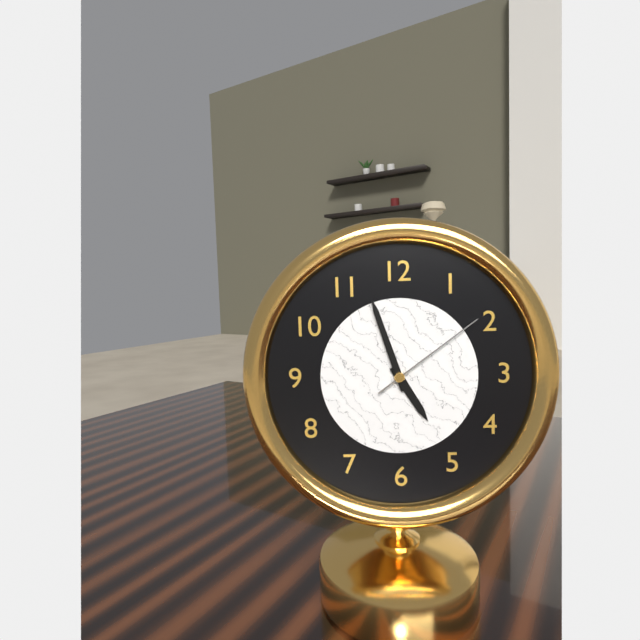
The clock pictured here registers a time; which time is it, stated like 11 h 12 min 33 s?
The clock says 4 h 57 min 09 s
